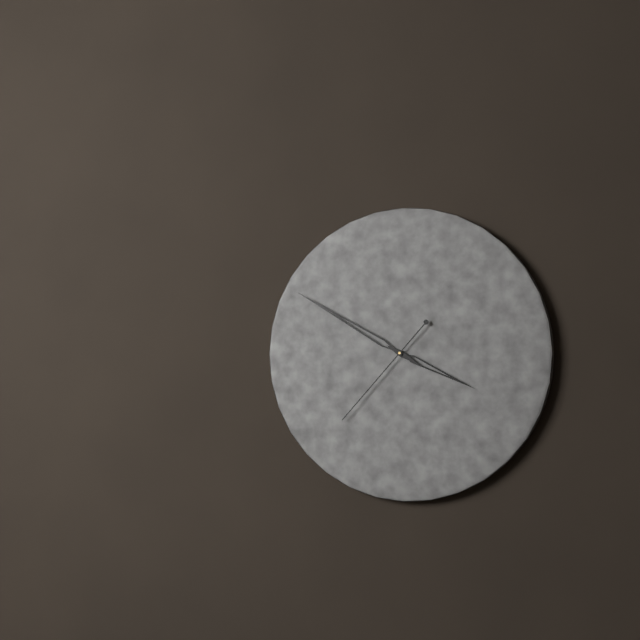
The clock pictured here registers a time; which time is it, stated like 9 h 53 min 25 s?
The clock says 3 h 50 min 37 s
